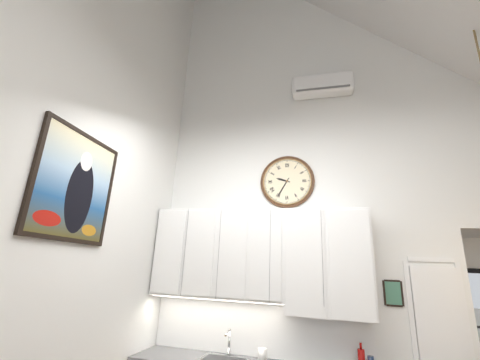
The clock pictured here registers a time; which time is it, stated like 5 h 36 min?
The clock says 9 h 35 min
